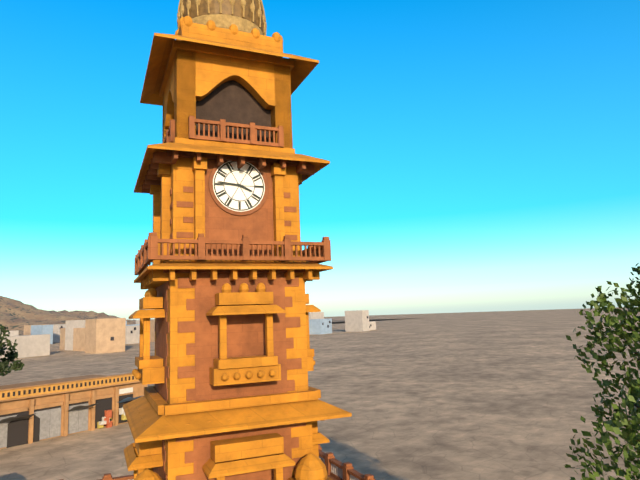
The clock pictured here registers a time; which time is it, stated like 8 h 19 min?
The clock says 3 h 46 min
